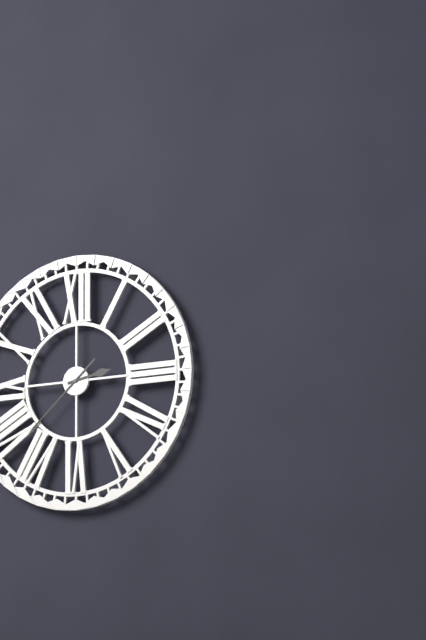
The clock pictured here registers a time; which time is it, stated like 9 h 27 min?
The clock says 2 h 38 min
